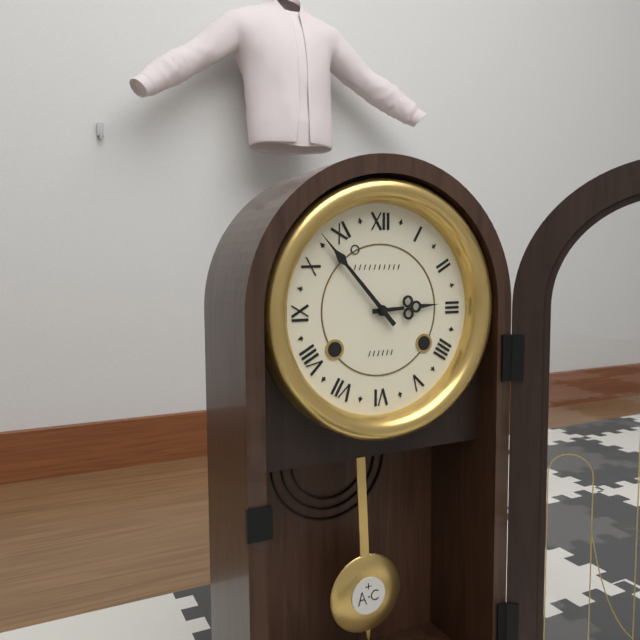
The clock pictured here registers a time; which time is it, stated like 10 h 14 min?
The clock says 2 h 53 min
